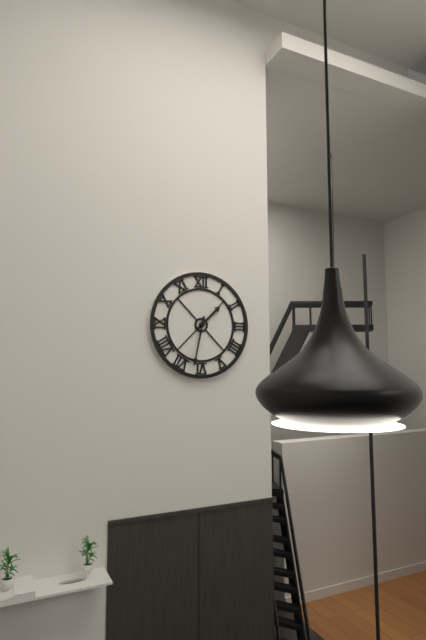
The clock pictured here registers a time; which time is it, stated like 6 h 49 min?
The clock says 1 h 32 min
